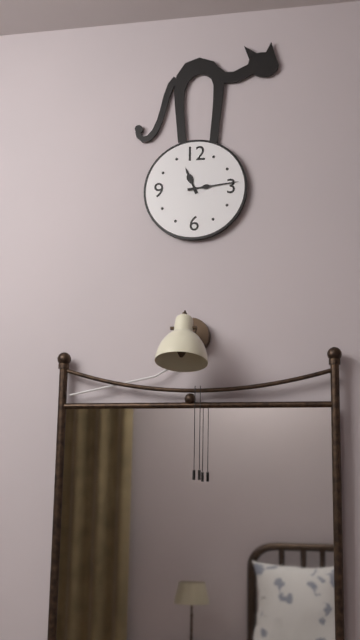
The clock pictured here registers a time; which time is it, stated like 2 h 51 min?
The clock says 11 h 14 min
